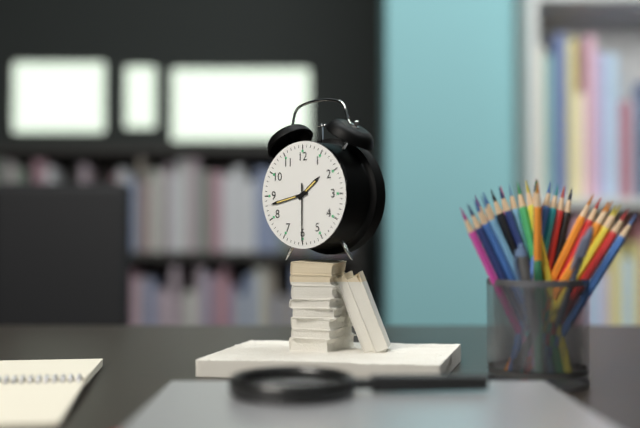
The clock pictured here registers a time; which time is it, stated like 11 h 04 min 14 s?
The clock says 1 h 43 min 30 s
